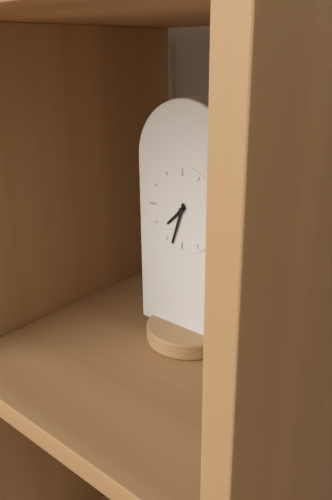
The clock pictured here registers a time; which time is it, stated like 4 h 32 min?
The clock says 7 h 33 min
